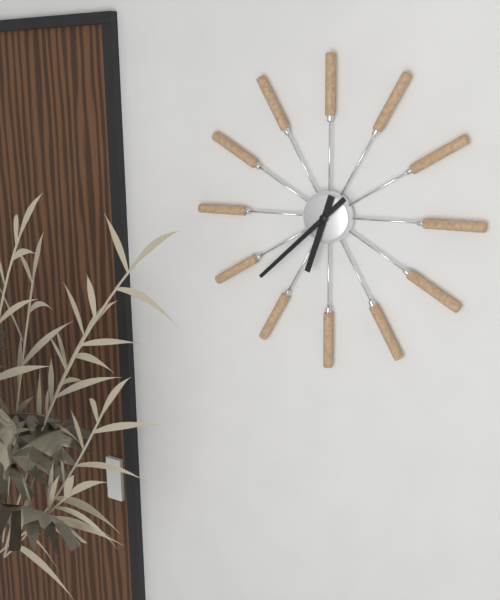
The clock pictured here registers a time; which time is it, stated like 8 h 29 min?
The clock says 6 h 38 min
